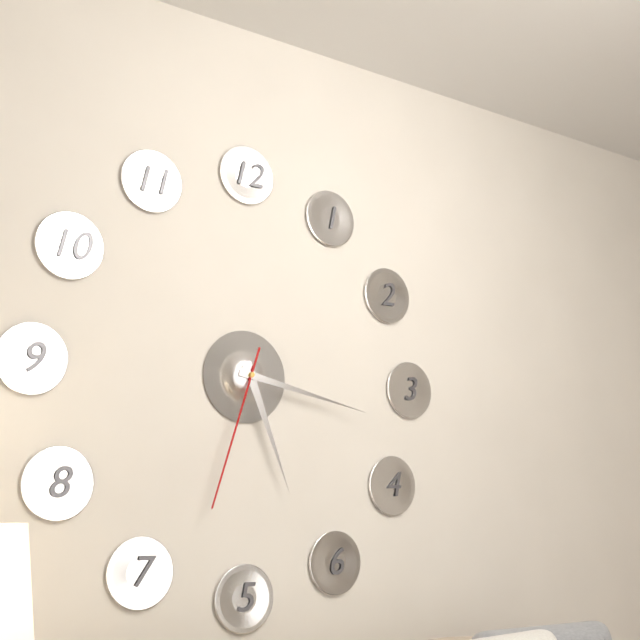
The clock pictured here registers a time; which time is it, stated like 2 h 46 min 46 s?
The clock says 5 h 17 min 33 s
